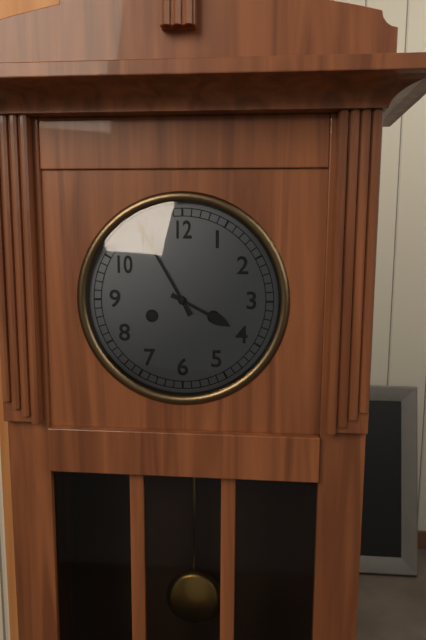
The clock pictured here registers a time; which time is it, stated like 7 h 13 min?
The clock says 3 h 55 min
